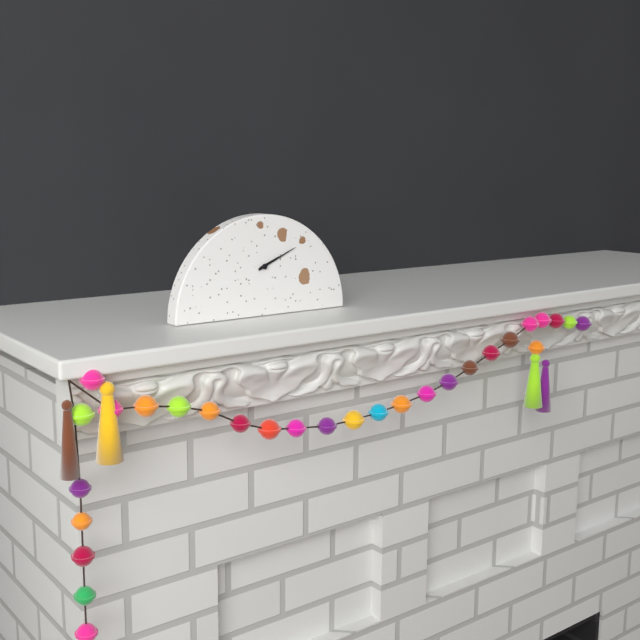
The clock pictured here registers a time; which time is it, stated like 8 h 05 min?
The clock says 2 h 11 min
